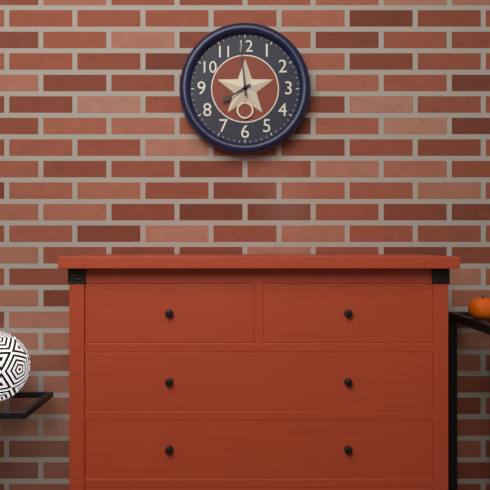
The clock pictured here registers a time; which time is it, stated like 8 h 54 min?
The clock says 7 h 59 min
